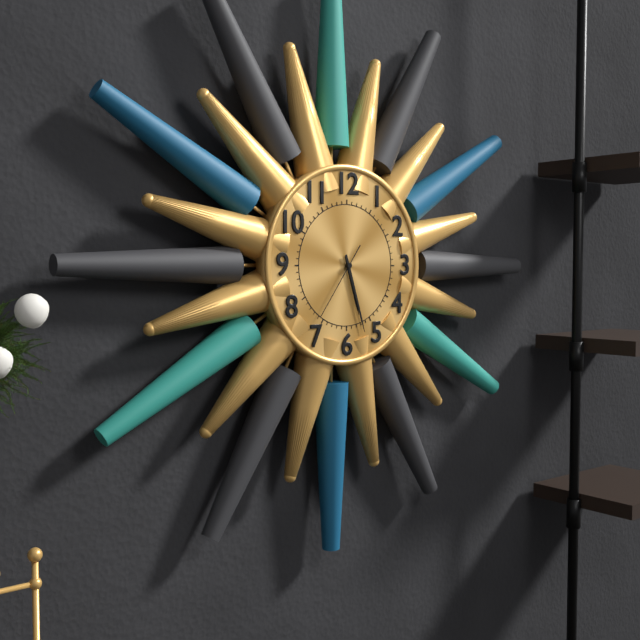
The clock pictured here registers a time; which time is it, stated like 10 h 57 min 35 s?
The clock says 5 h 27 min 36 s
